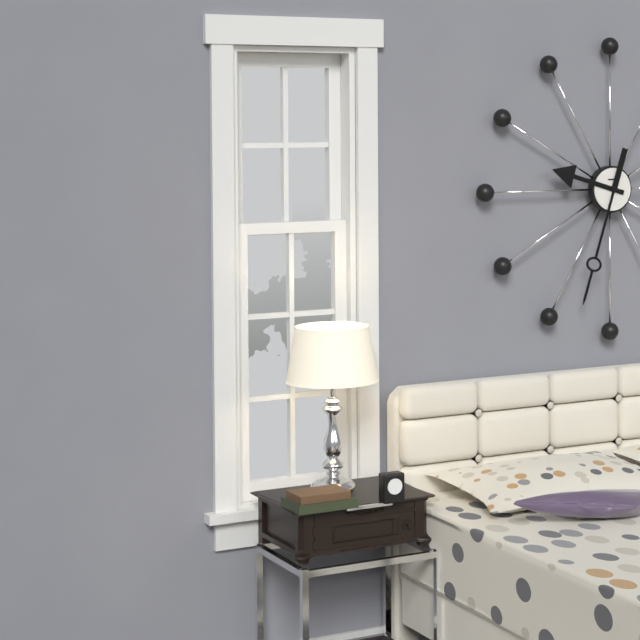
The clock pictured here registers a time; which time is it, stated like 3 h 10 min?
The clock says 9 h 33 min
